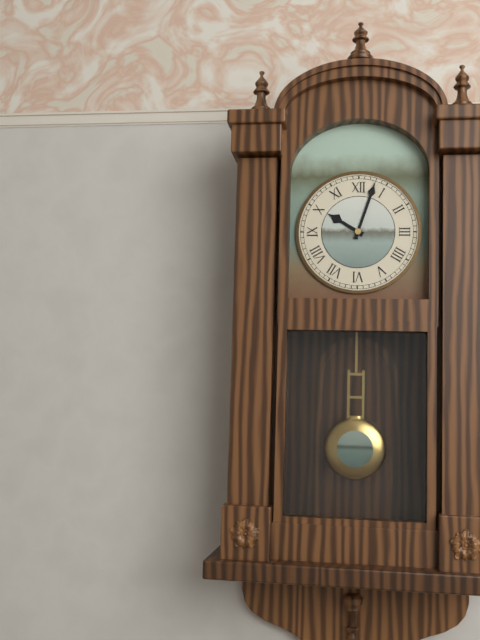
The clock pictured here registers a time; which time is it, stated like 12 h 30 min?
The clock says 10 h 03 min
